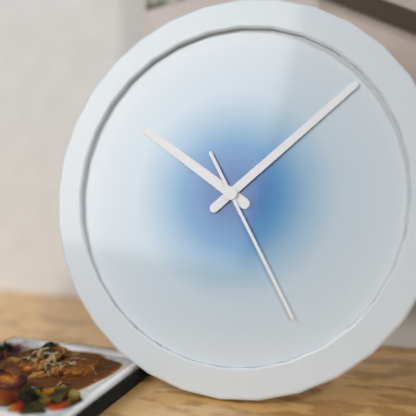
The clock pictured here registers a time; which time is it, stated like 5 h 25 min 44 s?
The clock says 10 h 08 min 25 s
